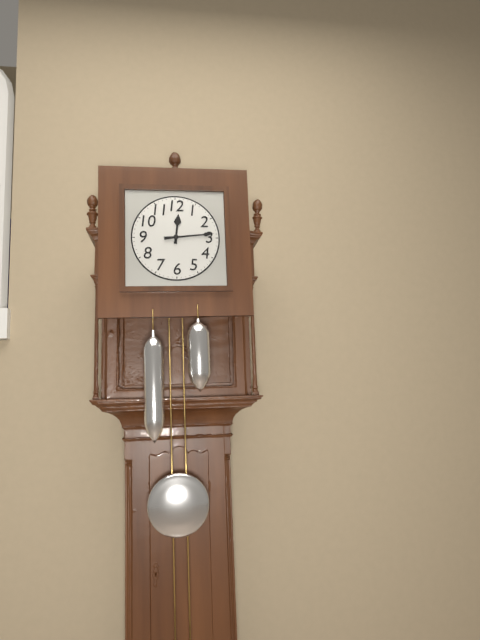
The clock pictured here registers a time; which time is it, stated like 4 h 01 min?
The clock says 12 h 14 min
